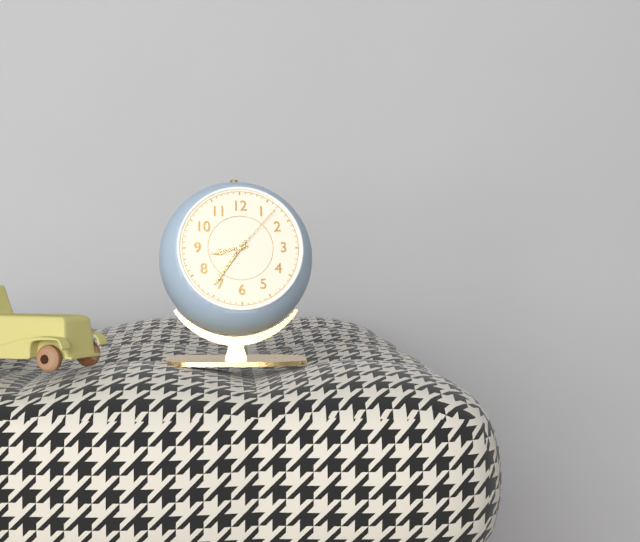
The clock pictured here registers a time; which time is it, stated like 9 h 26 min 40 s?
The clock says 8 h 36 min 07 s
